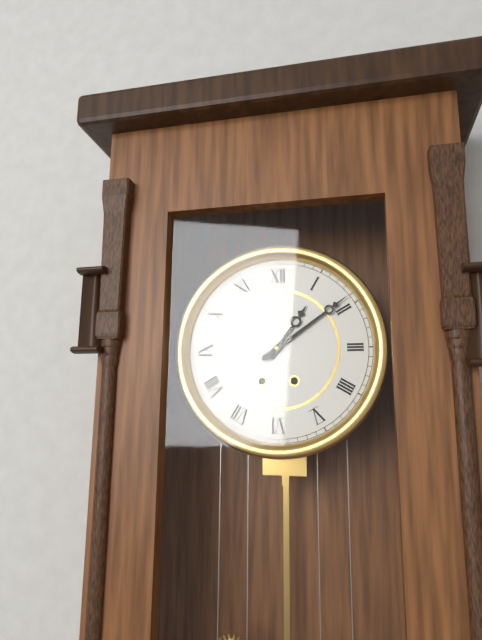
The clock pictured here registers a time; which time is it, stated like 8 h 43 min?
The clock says 1 h 09 min
